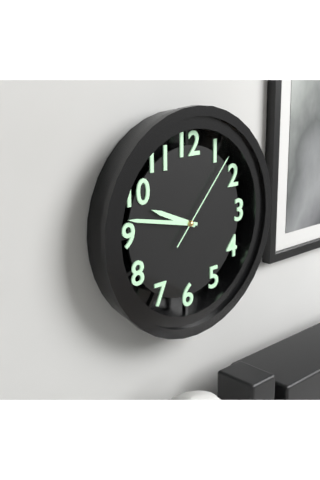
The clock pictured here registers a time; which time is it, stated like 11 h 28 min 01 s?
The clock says 9 h 47 min 07 s
